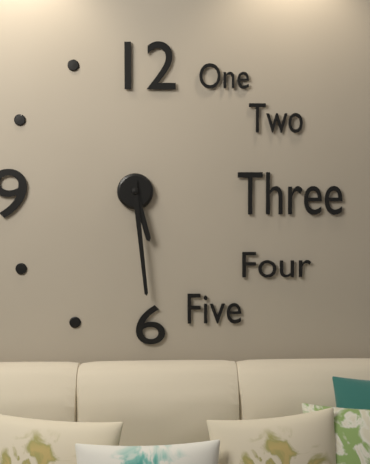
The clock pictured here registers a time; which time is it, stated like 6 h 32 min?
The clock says 5 h 29 min
